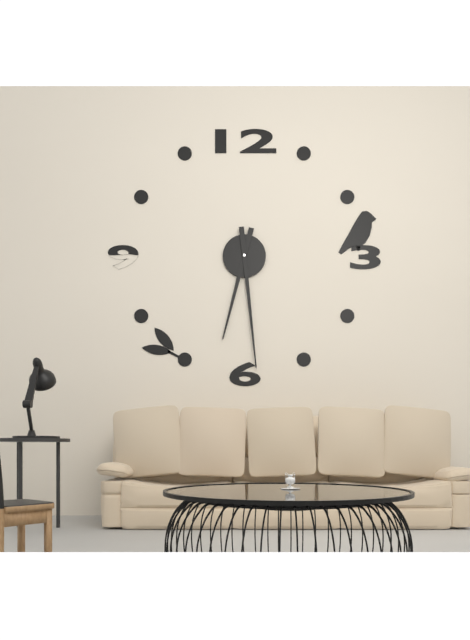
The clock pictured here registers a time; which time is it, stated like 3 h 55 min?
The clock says 6 h 29 min
